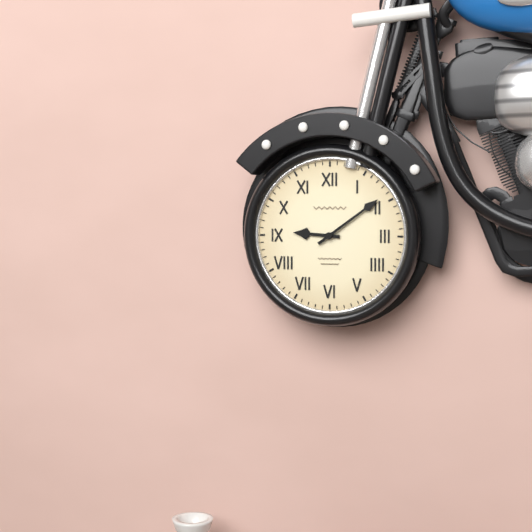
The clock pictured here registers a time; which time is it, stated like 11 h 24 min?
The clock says 9 h 09 min
